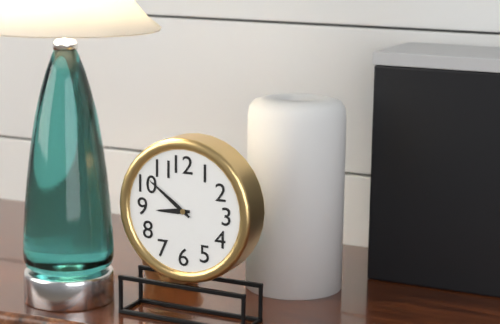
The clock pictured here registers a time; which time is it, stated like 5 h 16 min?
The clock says 8 h 51 min
